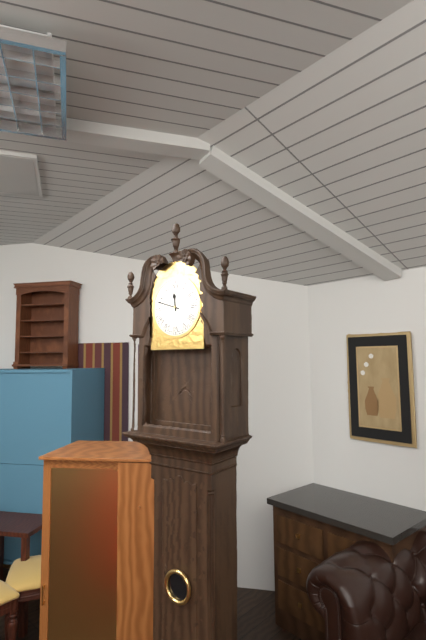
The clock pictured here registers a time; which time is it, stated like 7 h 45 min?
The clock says 11 h 48 min
